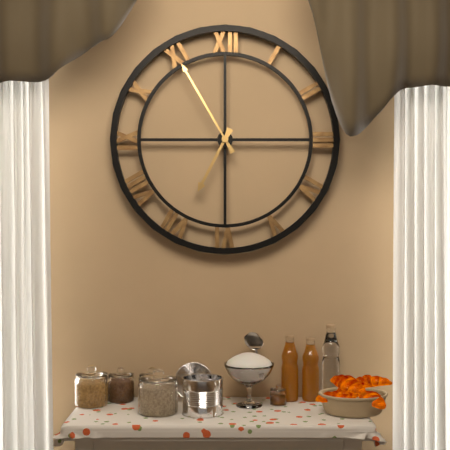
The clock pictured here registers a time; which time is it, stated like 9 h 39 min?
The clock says 6 h 55 min
